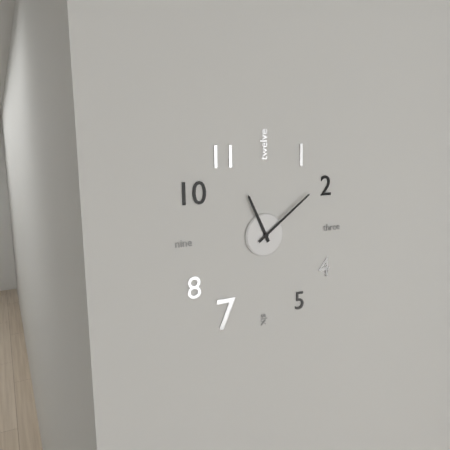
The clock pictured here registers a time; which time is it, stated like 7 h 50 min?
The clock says 11 h 09 min
